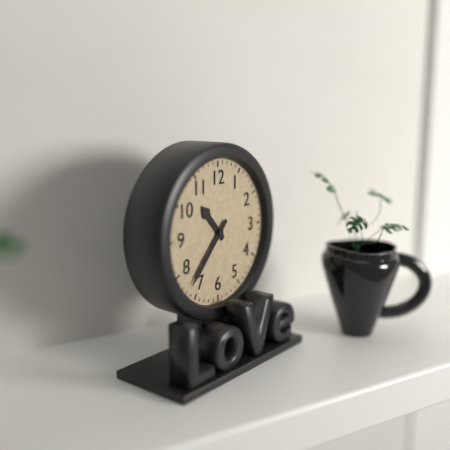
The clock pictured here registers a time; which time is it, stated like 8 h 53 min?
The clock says 10 h 37 min
